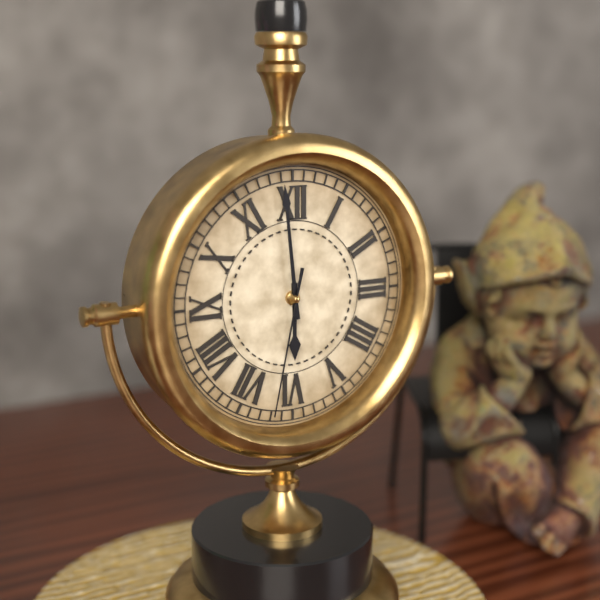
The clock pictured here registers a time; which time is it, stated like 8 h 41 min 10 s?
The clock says 5 h 59 min 32 s
